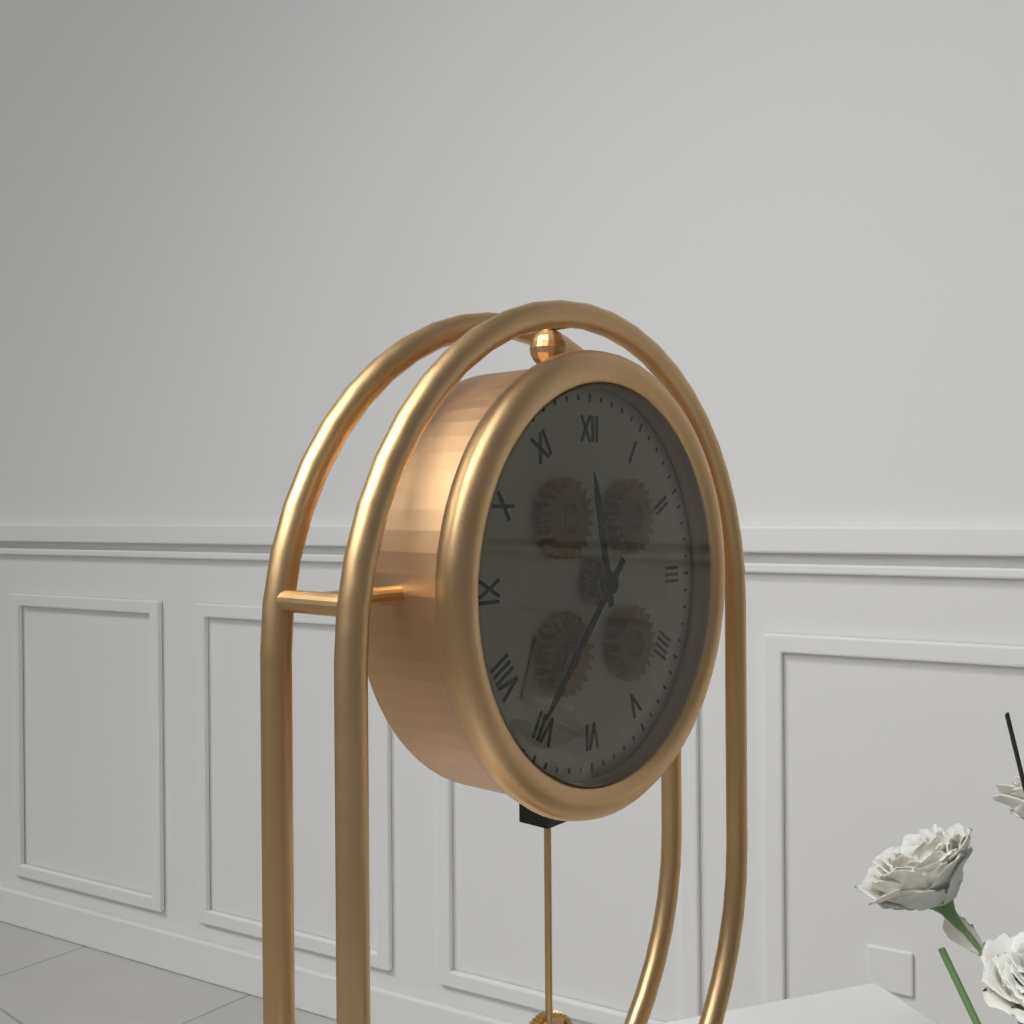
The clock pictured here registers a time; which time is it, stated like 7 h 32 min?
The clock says 11 h 37 min
